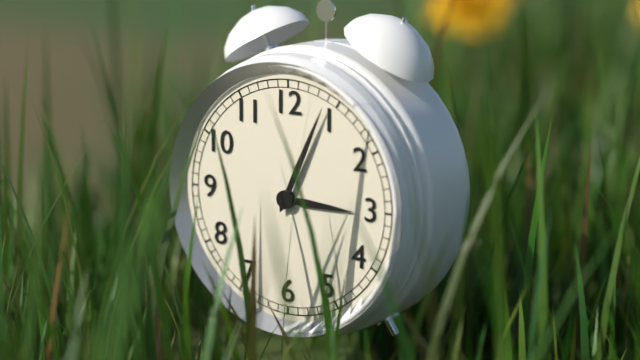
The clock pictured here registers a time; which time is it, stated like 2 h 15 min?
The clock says 3 h 04 min
